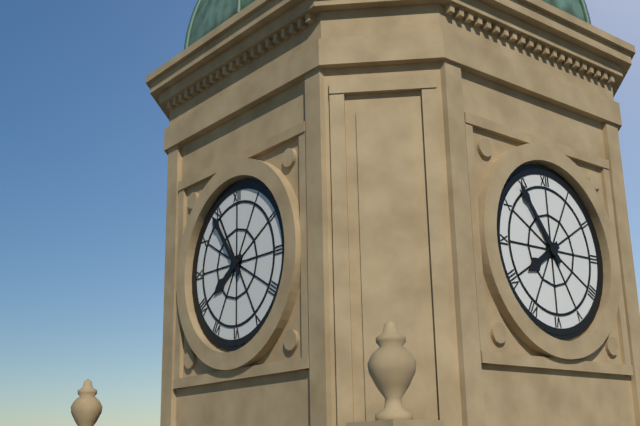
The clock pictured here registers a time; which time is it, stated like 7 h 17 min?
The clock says 7 h 54 min
